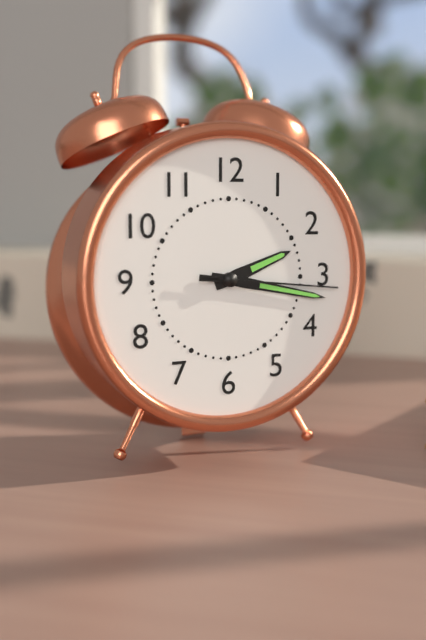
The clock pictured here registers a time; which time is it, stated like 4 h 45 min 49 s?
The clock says 2 h 17 min 16 s
